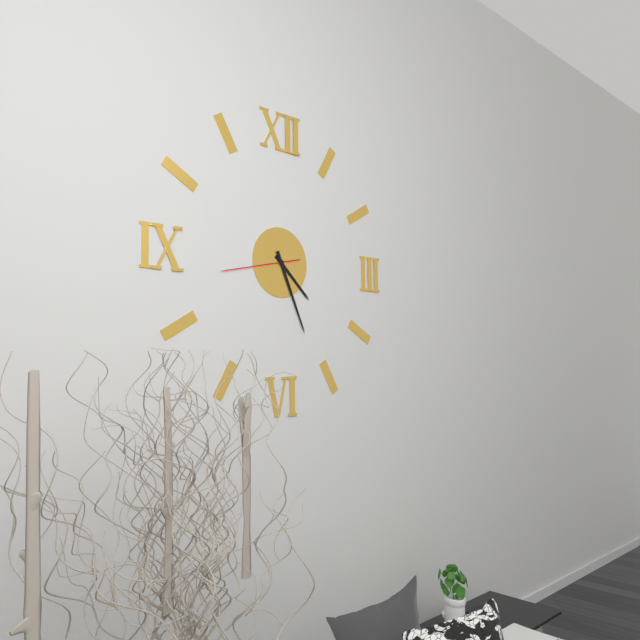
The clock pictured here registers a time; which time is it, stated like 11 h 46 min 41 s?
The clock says 4 h 26 min 43 s
